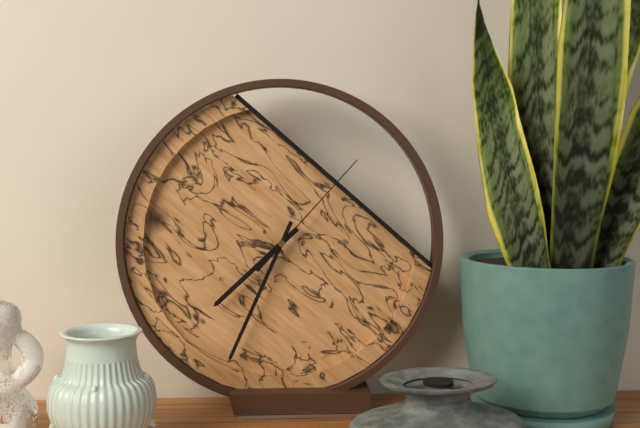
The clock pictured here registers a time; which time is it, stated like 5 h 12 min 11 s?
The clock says 7 h 34 min 07 s
